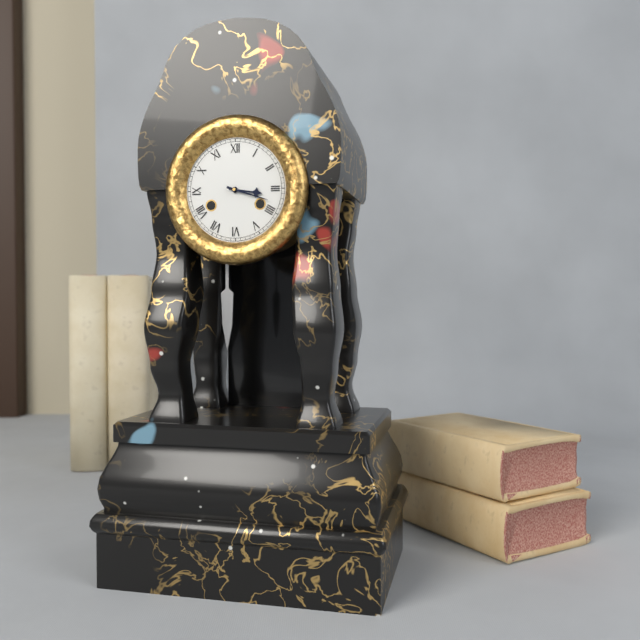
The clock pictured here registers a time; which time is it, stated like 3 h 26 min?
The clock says 3 h 18 min
